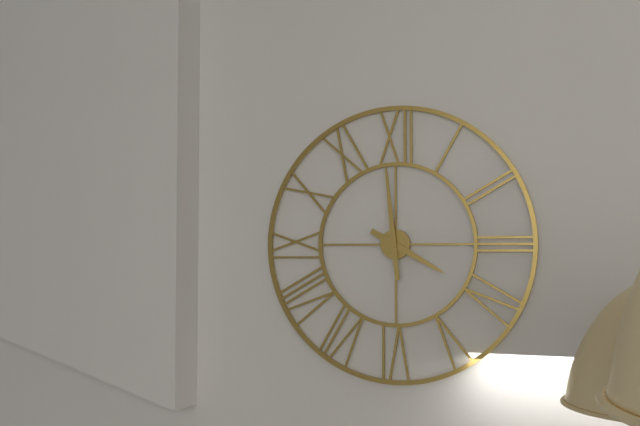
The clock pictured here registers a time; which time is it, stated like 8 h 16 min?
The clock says 3 h 59 min
